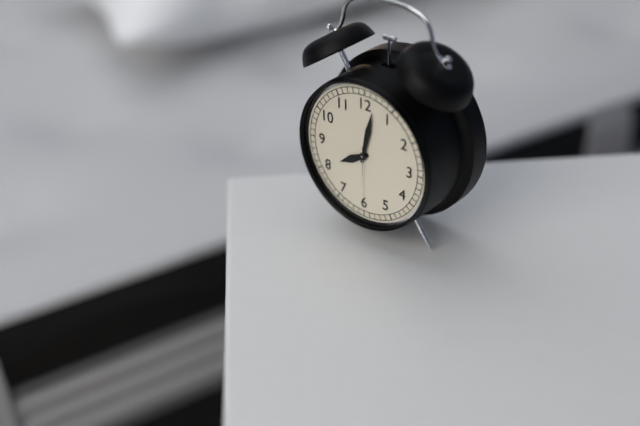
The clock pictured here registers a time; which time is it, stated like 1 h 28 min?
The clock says 8 h 02 min
